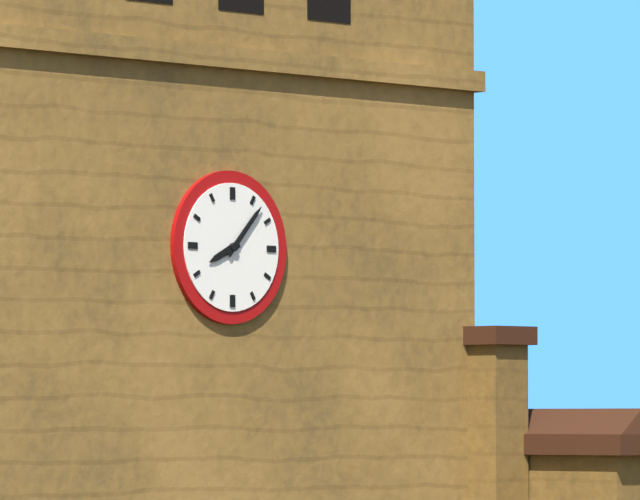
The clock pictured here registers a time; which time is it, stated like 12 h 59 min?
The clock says 8 h 07 min
